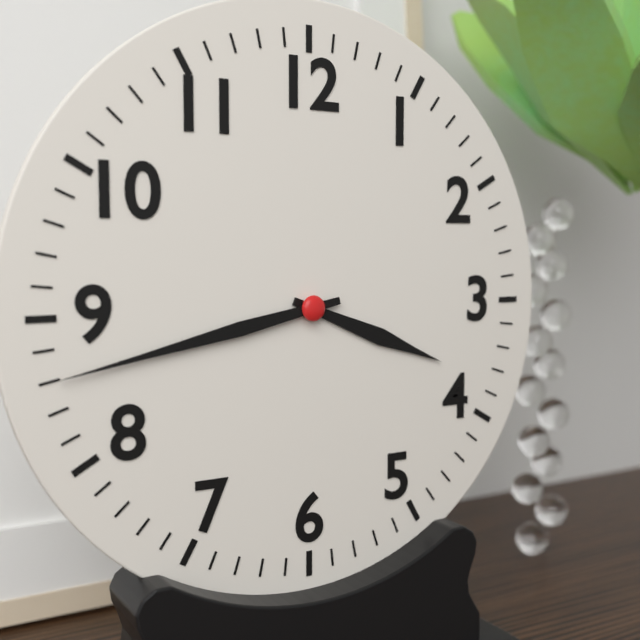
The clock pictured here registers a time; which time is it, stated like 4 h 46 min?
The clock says 3 h 43 min
